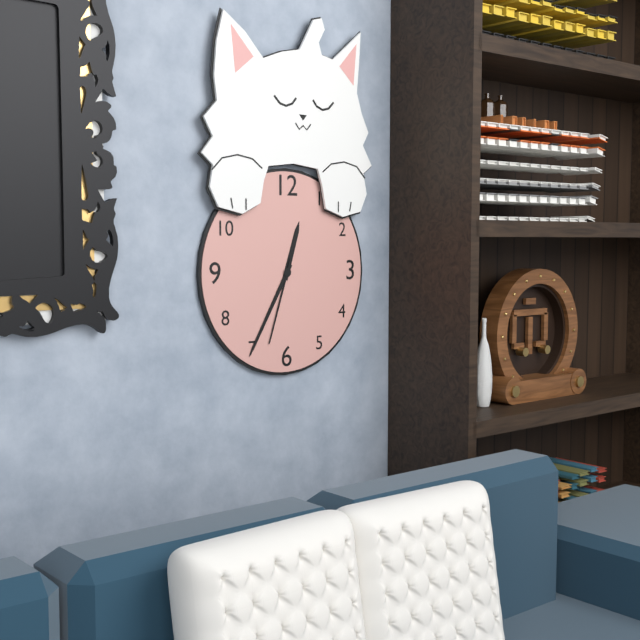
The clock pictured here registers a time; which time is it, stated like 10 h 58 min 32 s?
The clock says 12 h 35 min 33 s
